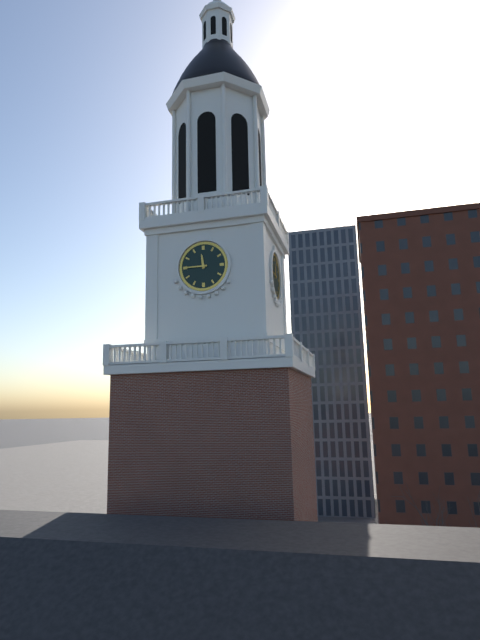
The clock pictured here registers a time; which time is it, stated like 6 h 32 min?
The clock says 11 h 45 min
